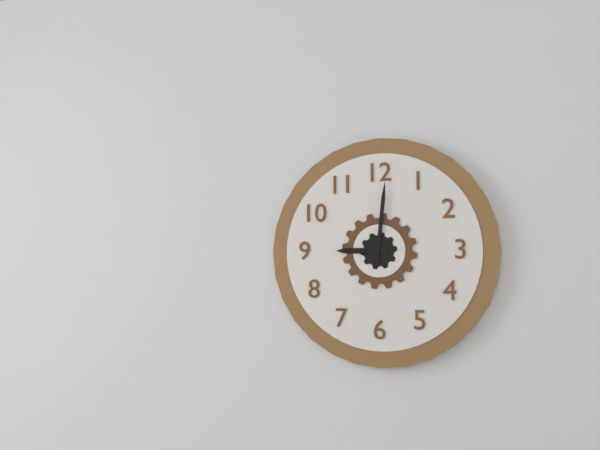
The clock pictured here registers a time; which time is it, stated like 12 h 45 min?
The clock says 9 h 01 min
